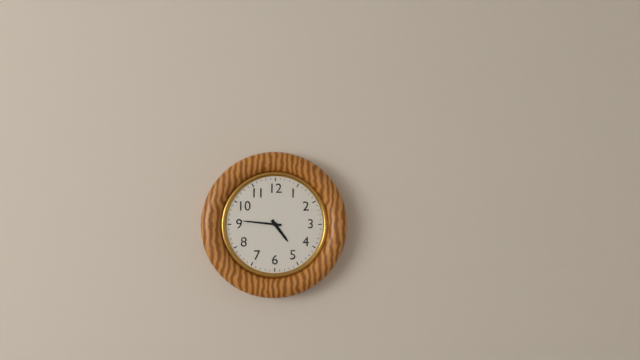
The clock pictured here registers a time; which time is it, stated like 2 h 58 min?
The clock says 4 h 46 min
